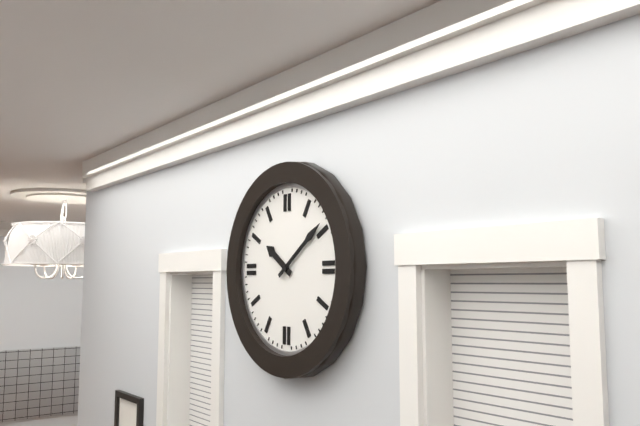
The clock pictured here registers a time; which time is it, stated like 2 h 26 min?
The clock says 10 h 09 min
